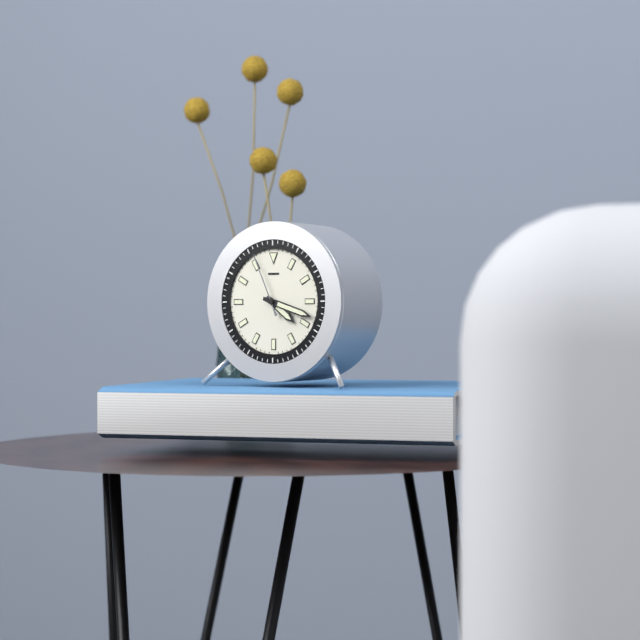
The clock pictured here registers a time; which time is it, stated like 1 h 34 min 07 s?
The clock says 4 h 18 min 56 s
